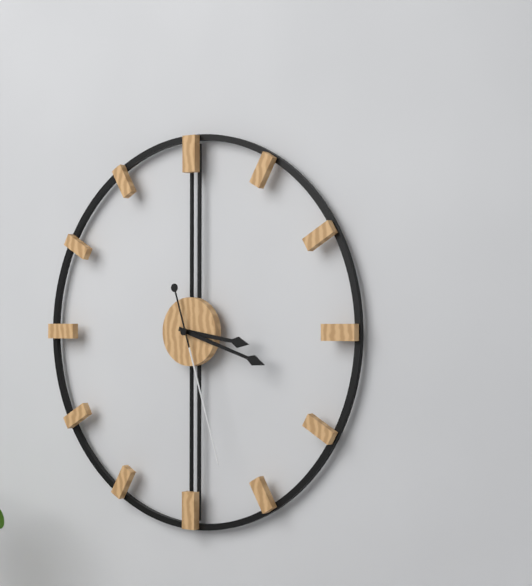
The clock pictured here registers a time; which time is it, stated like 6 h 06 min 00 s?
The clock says 3 h 18 min 27 s
